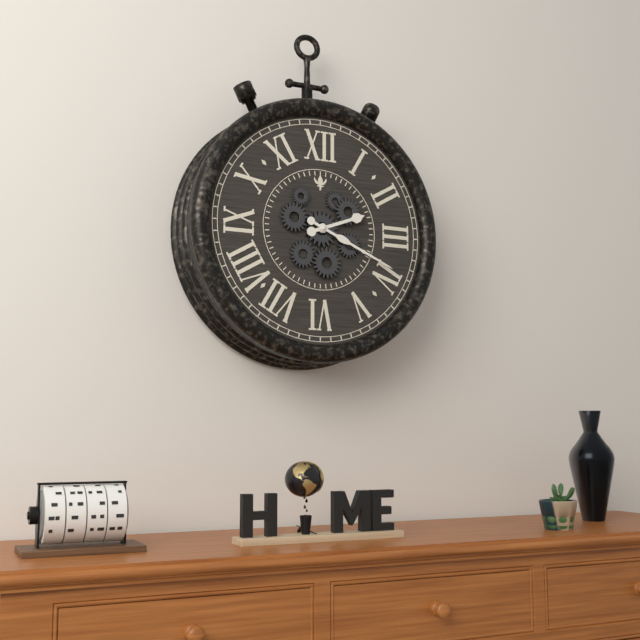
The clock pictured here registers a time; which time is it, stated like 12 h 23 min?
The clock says 2 h 19 min
